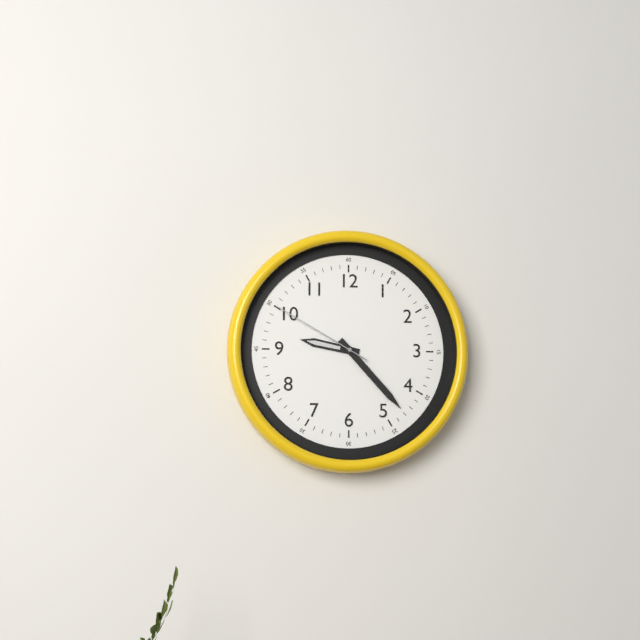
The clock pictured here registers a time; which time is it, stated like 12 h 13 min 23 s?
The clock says 9 h 23 min 50 s
